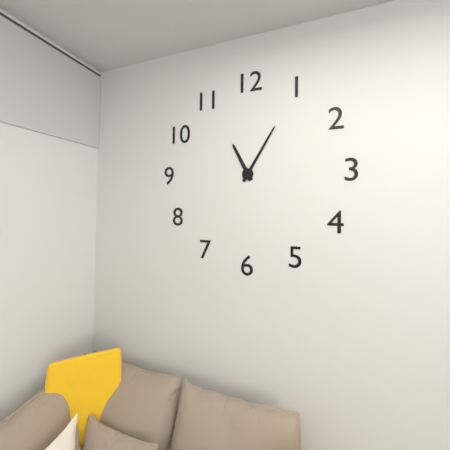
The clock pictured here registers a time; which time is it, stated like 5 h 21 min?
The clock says 11 h 05 min
